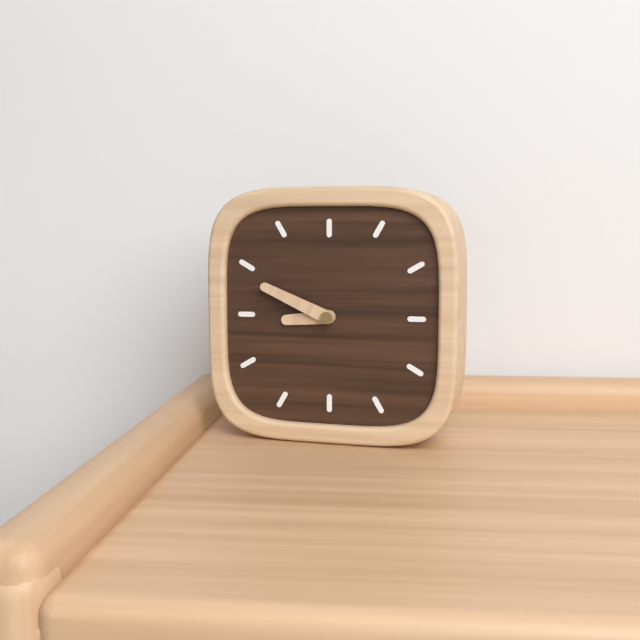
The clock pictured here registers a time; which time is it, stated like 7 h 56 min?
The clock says 8 h 49 min
